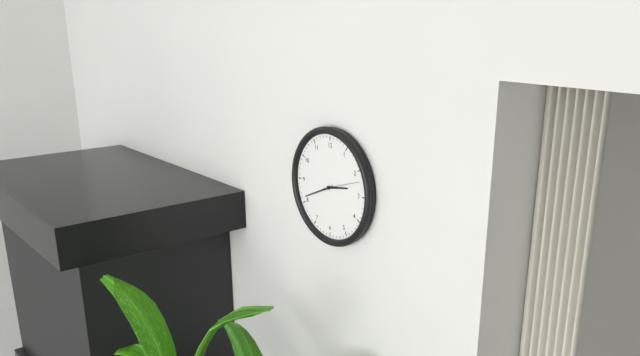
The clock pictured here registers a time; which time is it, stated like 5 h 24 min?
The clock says 2 h 41 min
